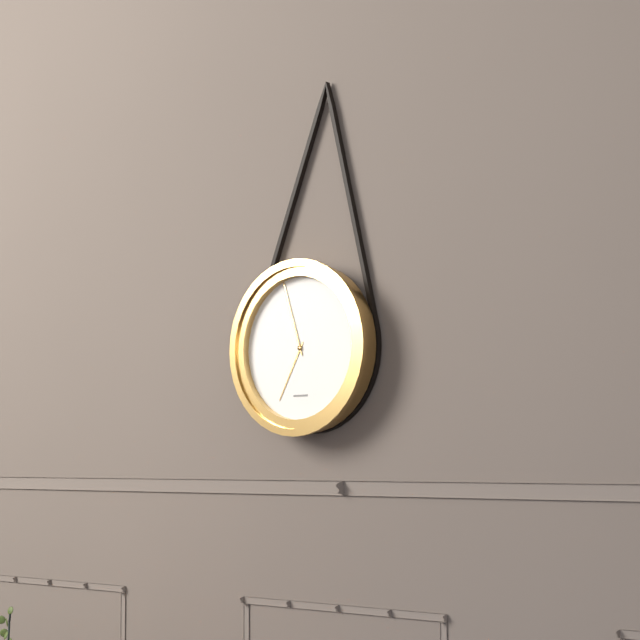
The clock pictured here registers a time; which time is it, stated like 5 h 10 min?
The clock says 6 h 57 min
